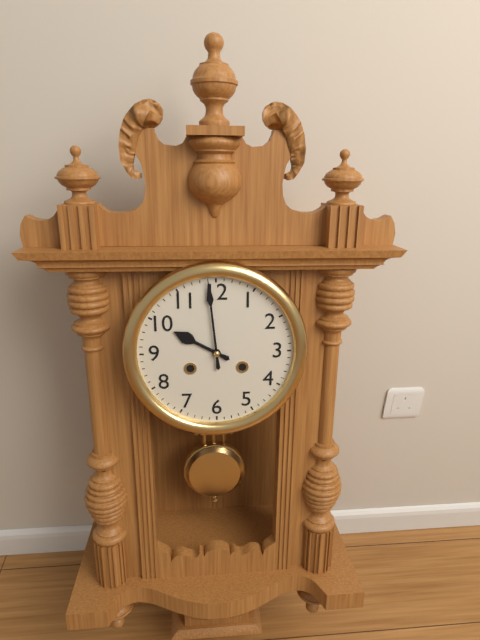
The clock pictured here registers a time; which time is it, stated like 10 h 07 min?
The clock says 9 h 59 min
